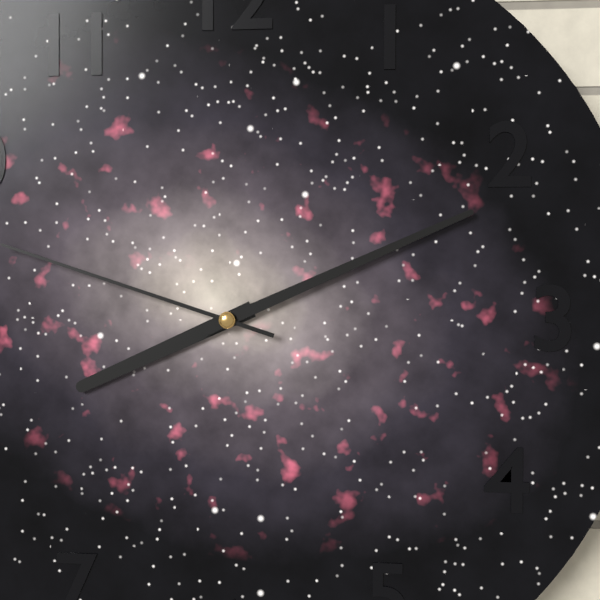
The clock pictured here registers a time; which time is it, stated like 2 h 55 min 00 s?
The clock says 8 h 11 min 48 s
